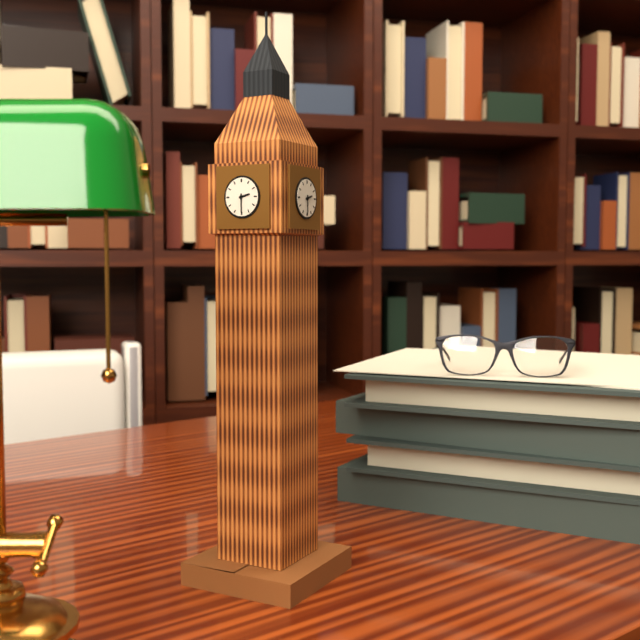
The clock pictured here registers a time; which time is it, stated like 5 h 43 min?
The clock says 2 h 30 min
